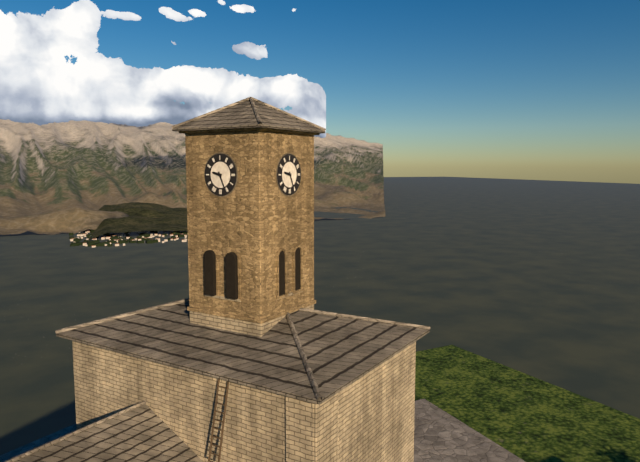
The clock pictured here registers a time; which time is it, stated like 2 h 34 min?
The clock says 9 h 26 min
